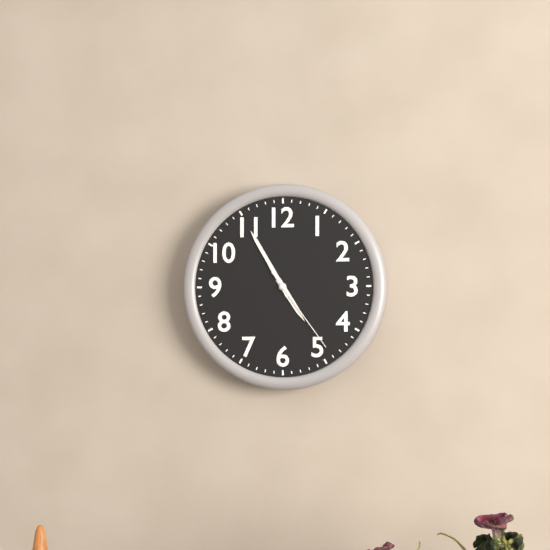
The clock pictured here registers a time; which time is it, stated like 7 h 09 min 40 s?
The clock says 4 h 55 min 24 s
